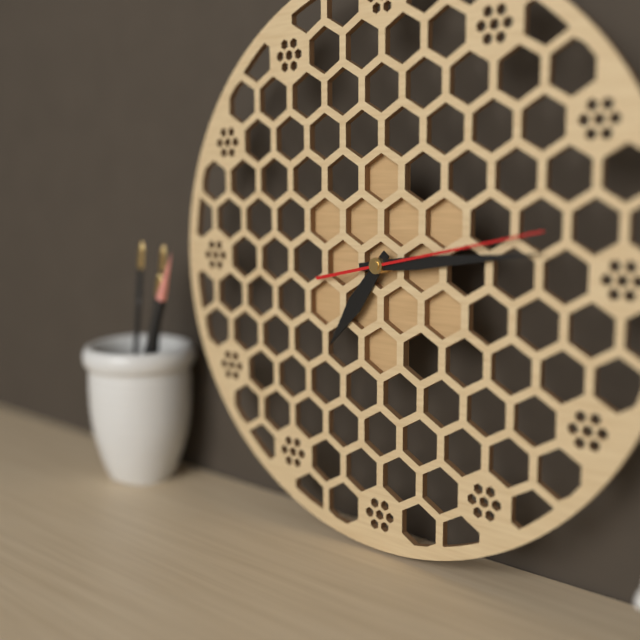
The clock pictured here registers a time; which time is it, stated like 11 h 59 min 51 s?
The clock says 7 h 14 min 13 s
